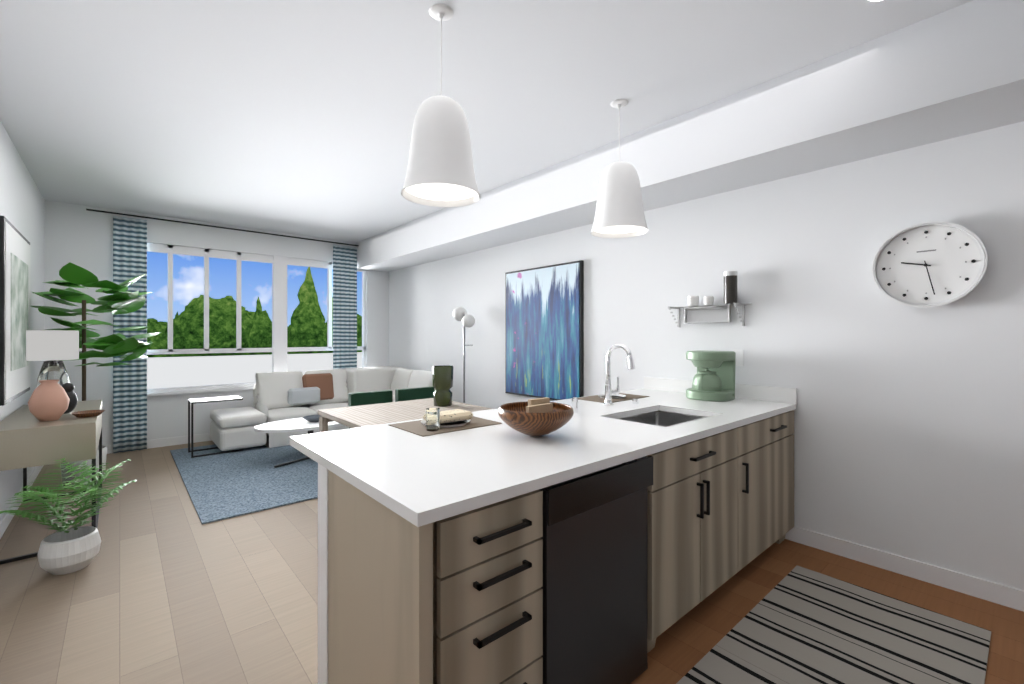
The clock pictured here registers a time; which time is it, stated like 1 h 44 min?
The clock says 9 h 28 min
